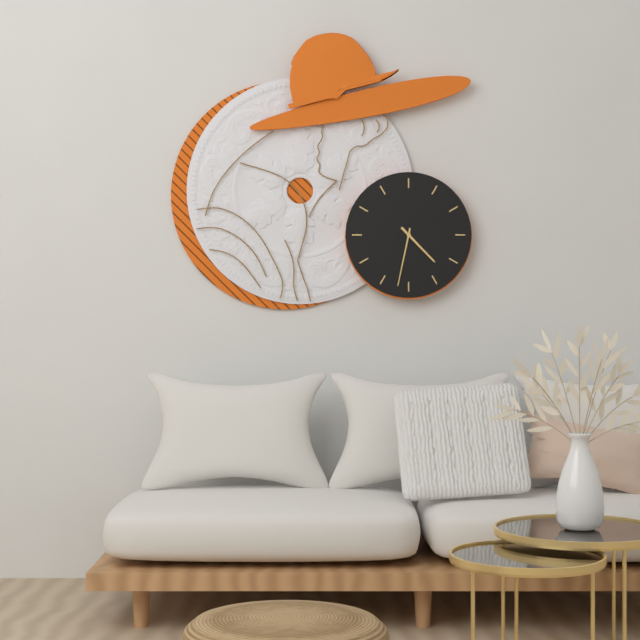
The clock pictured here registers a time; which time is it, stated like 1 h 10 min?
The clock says 4 h 32 min
